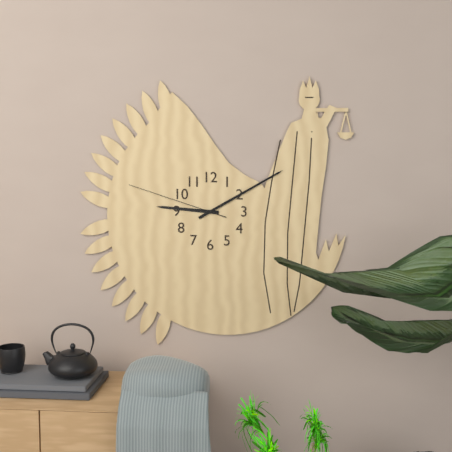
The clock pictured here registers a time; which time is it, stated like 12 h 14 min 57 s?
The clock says 9 h 10 min 48 s
